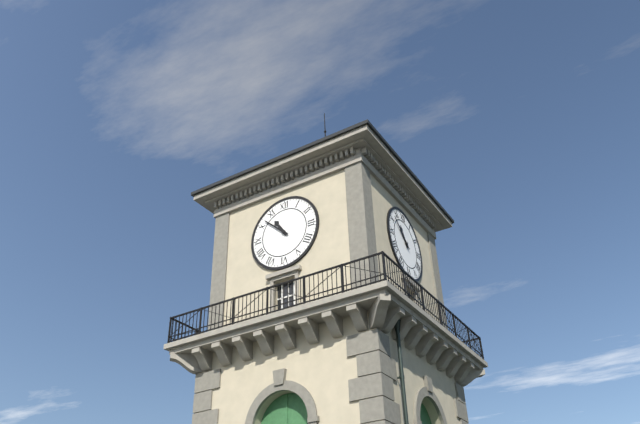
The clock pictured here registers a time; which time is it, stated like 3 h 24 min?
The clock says 10 h 52 min
